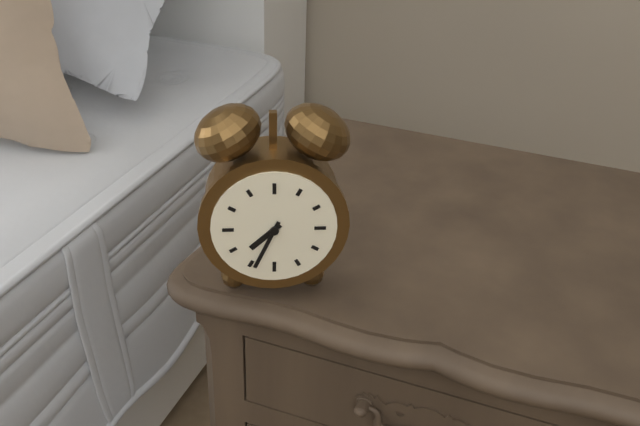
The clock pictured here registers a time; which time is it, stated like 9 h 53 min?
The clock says 7 h 34 min
